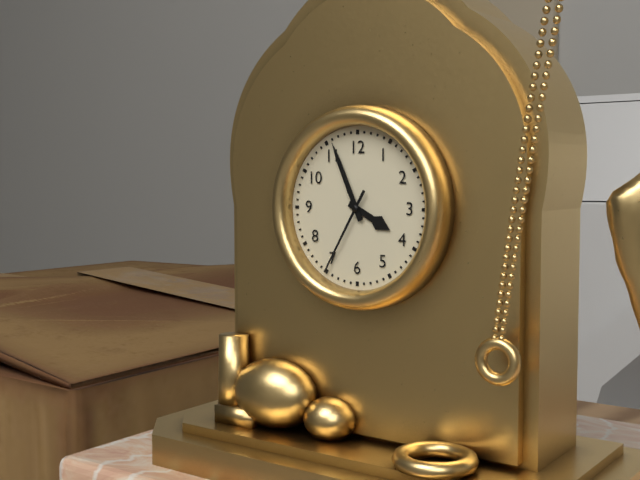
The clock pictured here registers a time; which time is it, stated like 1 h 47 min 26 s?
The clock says 3 h 56 min 35 s
